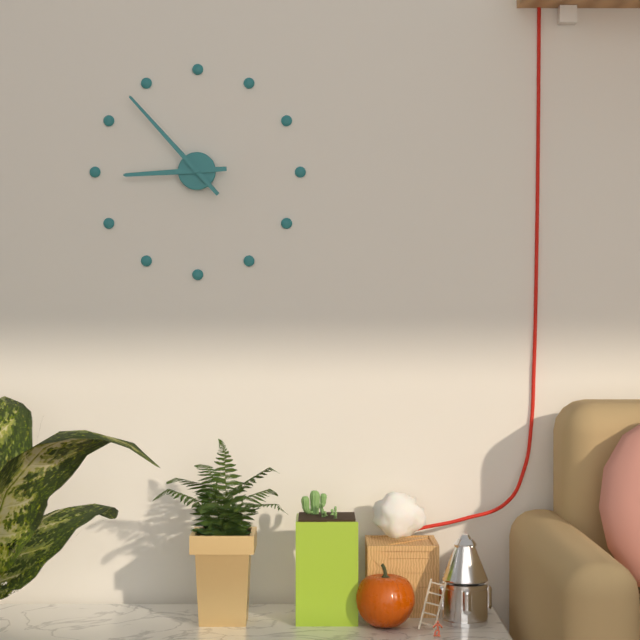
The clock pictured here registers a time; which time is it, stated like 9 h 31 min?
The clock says 8 h 53 min
